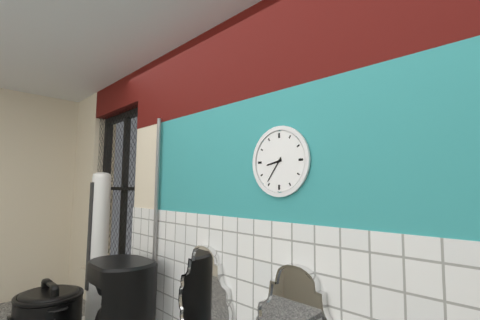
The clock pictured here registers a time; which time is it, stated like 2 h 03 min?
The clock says 8 h 36 min
